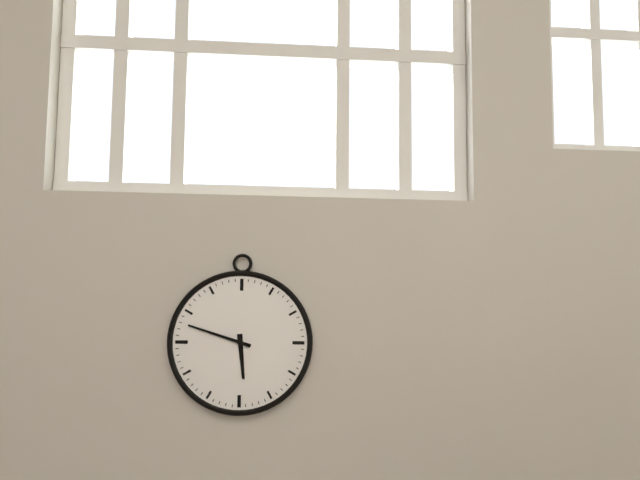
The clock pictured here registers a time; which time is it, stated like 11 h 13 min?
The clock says 5 h 48 min
